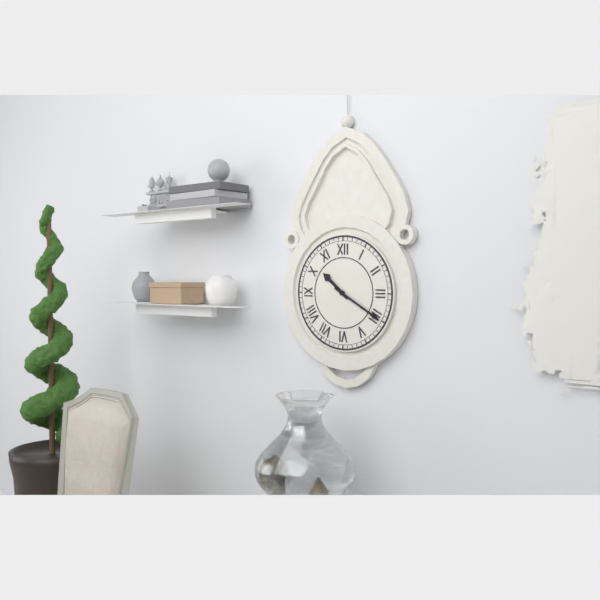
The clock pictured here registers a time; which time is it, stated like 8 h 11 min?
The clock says 10 h 20 min
